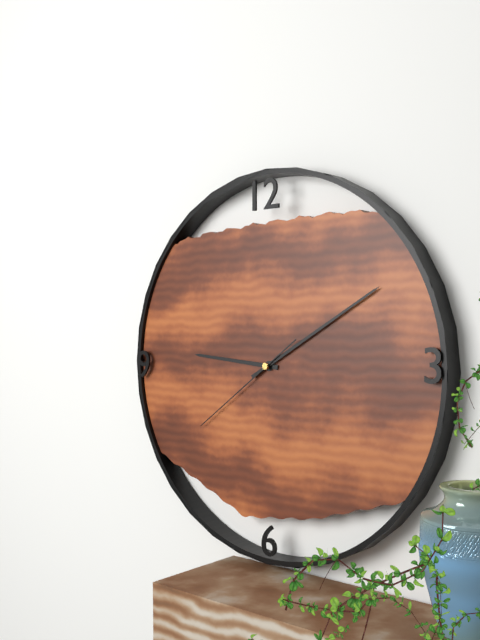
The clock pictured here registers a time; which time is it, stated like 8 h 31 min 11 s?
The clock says 9 h 10 min 39 s
